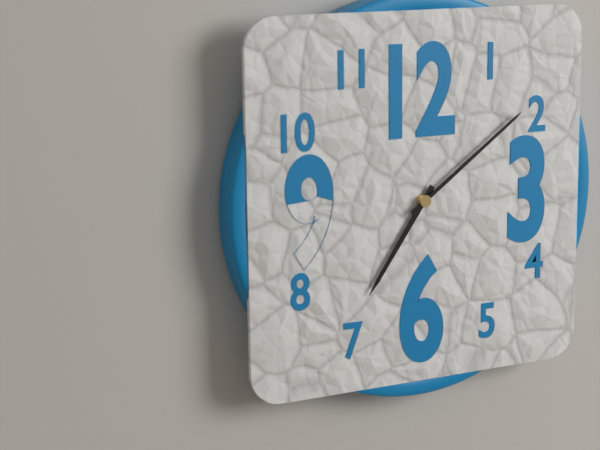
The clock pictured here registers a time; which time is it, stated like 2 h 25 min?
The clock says 7 h 09 min
